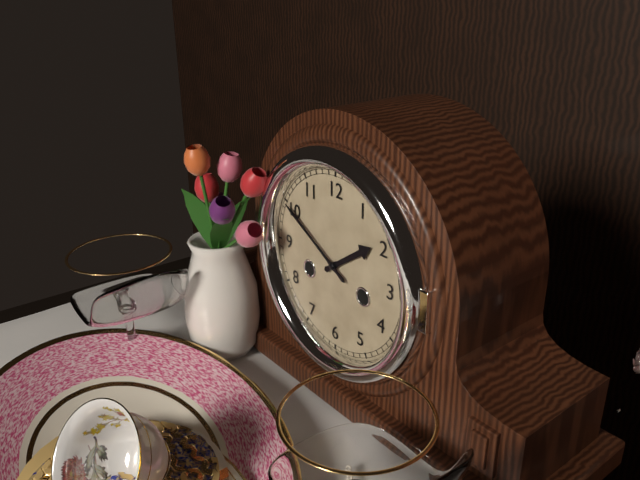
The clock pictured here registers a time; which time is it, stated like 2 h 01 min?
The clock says 1 h 50 min
